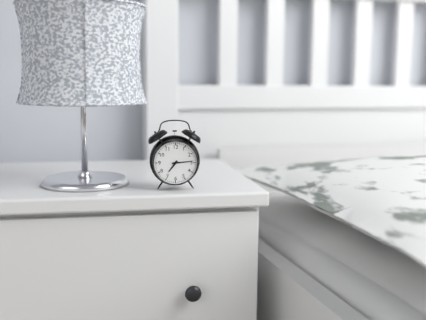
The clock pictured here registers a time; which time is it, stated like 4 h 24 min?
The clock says 7 h 14 min
